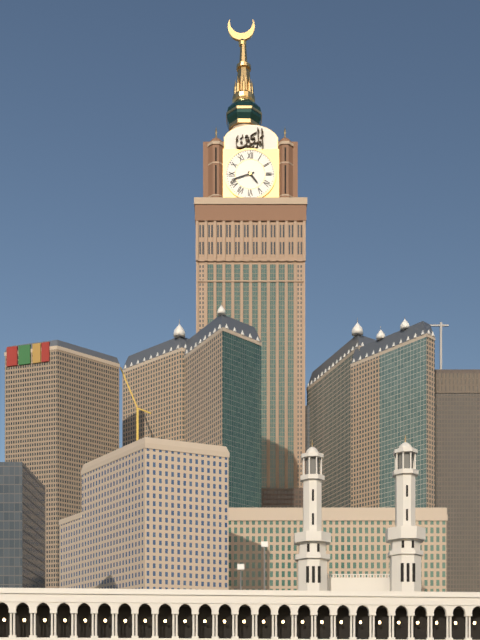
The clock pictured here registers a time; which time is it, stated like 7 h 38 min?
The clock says 4 h 42 min
